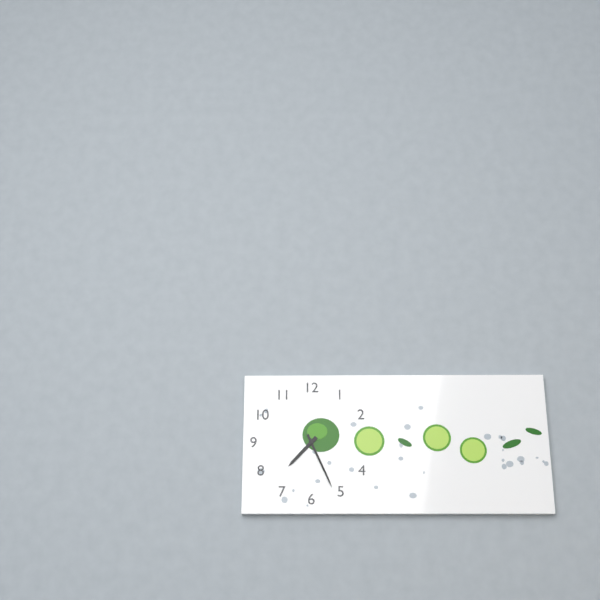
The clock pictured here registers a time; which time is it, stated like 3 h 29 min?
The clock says 7 h 26 min
